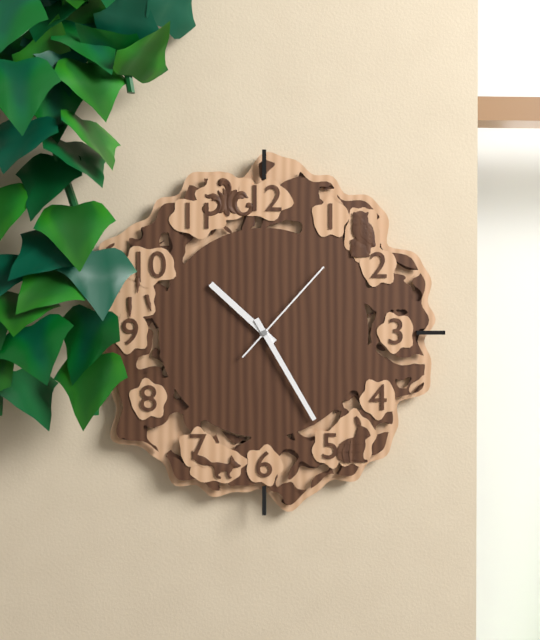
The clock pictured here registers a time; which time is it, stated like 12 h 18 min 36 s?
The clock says 10 h 25 min 07 s
